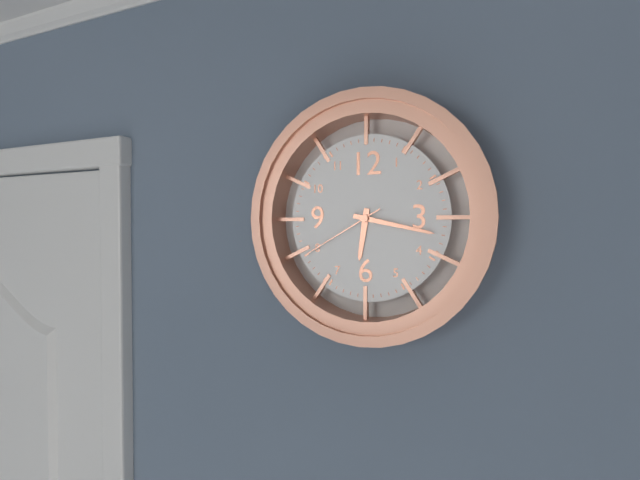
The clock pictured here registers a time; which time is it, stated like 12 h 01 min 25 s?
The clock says 6 h 17 min 40 s
